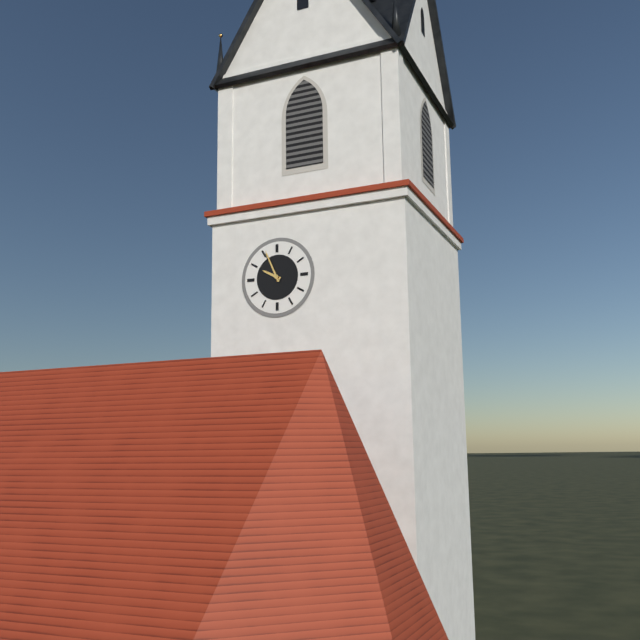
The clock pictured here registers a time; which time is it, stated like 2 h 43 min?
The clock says 9 h 56 min
